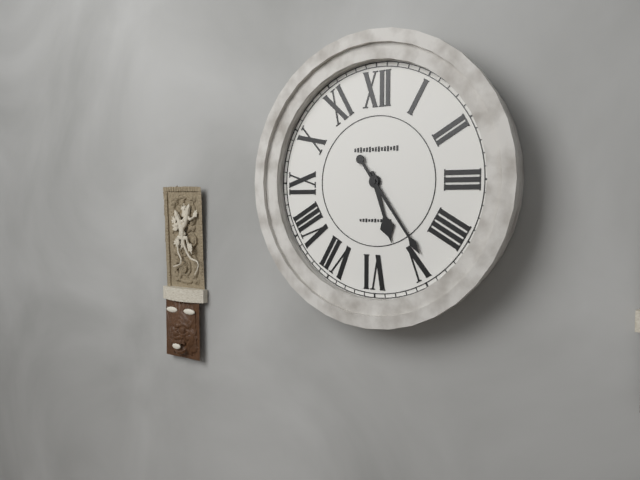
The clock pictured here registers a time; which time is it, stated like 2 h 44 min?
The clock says 5 h 24 min
